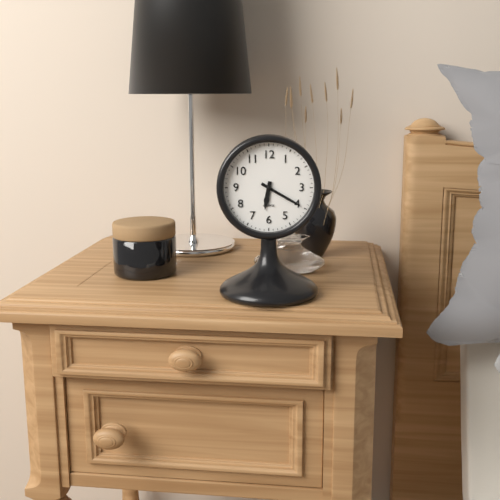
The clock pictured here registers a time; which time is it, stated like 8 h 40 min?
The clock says 6 h 20 min
